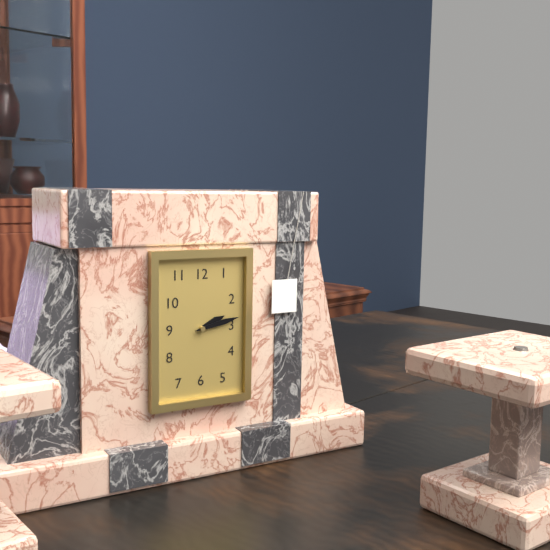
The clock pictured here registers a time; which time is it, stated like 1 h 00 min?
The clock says 2 h 13 min
